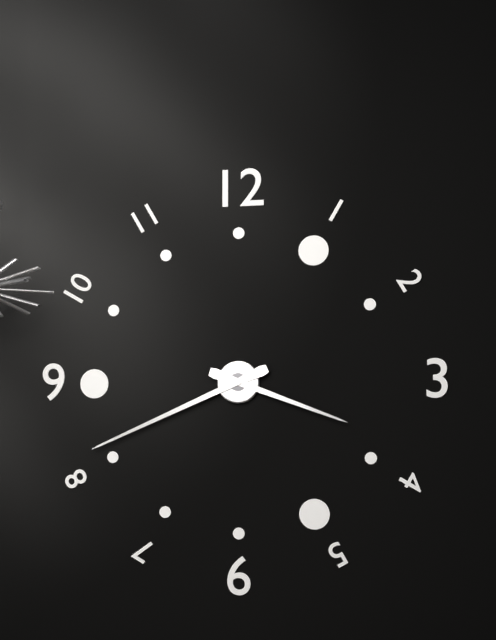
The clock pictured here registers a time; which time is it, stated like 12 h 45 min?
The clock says 3 h 41 min
